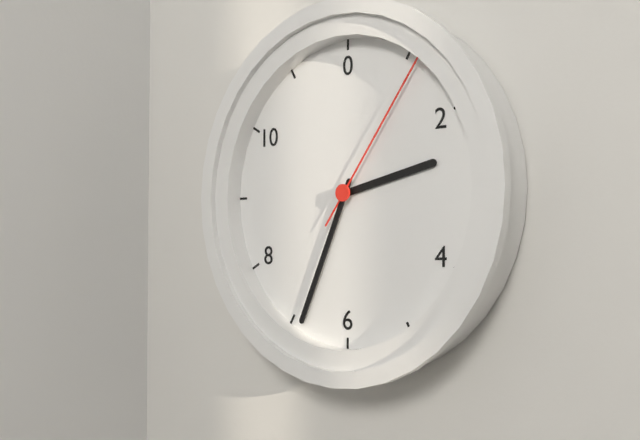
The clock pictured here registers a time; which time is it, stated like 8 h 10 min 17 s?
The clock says 2 h 34 min 06 s
